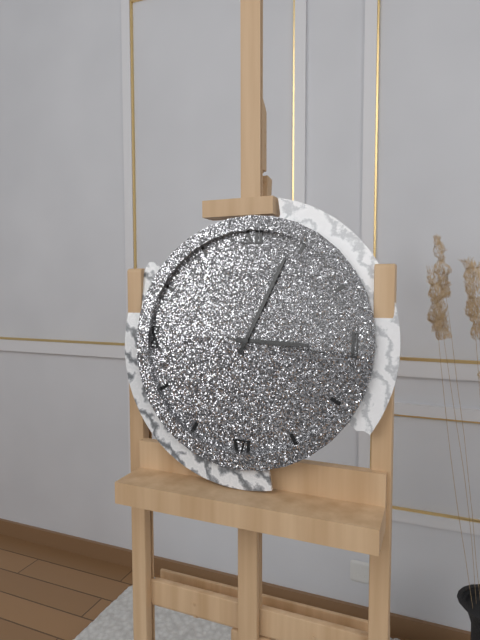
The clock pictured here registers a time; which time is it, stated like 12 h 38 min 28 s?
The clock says 3 h 04 min 16 s
